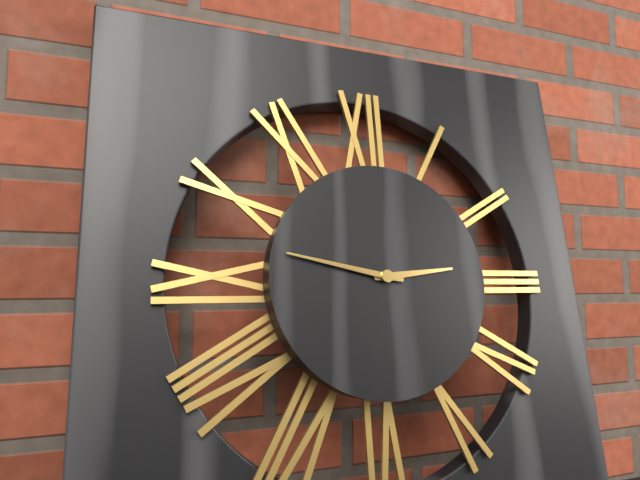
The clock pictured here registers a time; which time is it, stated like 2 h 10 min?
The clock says 2 h 47 min
